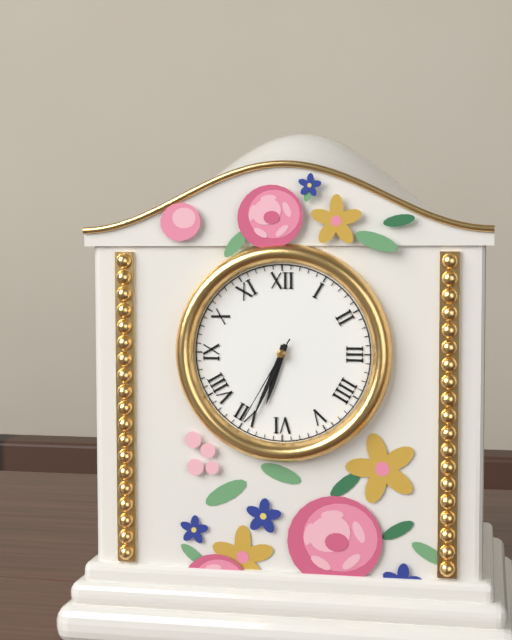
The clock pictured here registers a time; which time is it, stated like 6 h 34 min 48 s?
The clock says 6 h 34 min 35 s
